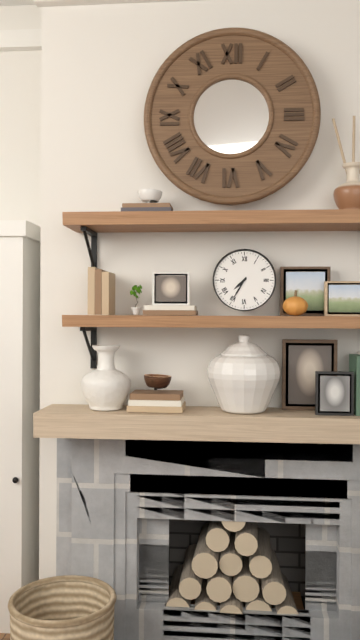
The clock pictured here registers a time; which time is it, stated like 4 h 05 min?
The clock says 7 h 35 min
